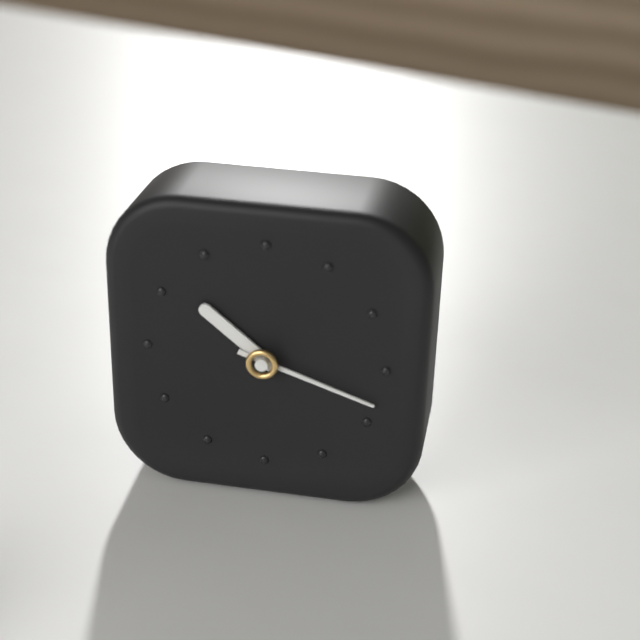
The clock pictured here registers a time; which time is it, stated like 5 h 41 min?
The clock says 10 h 18 min
